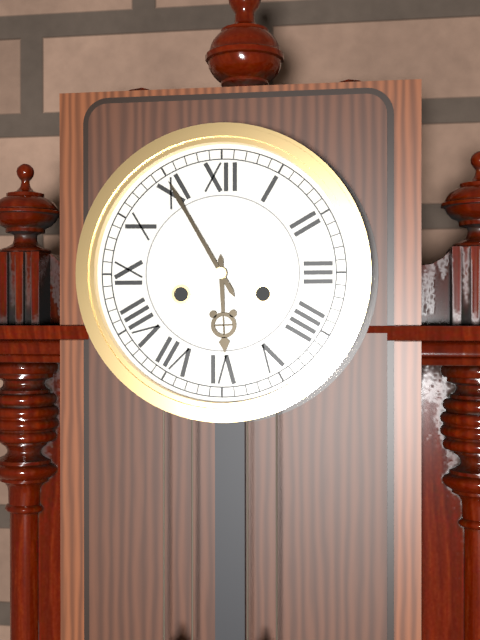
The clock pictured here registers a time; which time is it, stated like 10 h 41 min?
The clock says 5 h 55 min
